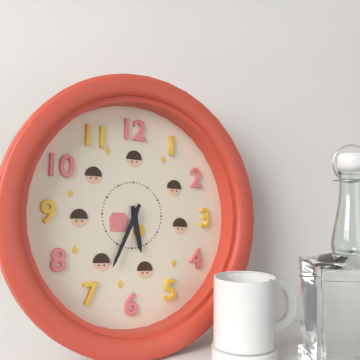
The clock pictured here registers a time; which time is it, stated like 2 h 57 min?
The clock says 5 h 34 min
